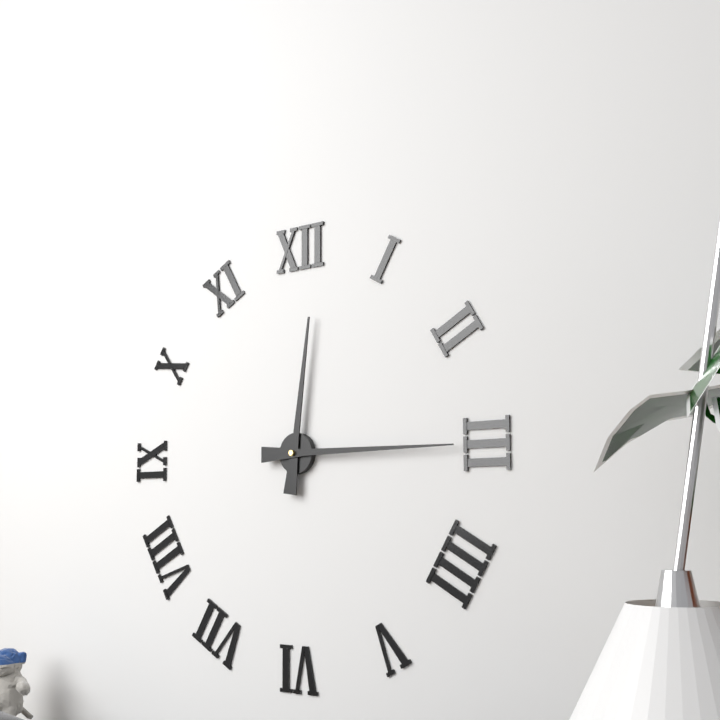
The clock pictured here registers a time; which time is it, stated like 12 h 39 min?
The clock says 12 h 15 min
